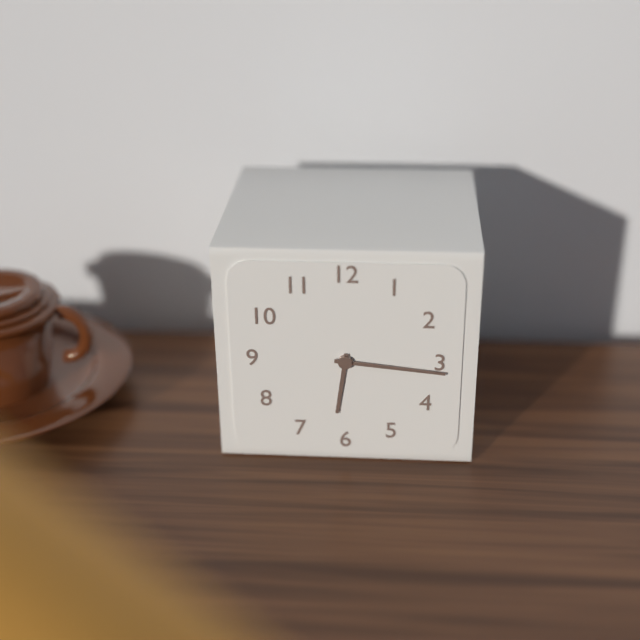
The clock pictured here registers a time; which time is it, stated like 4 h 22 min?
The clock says 6 h 16 min
